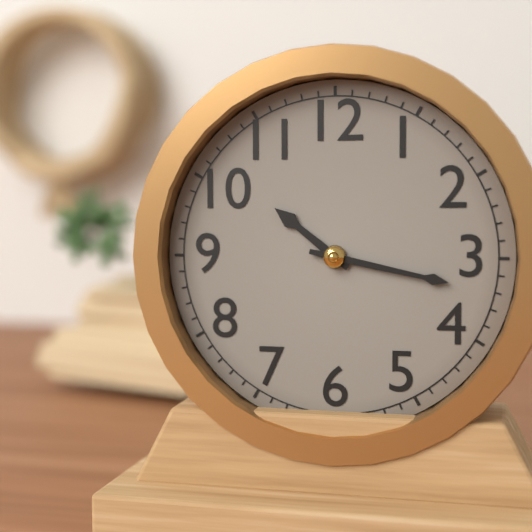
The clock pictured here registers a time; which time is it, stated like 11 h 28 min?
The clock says 10 h 17 min
